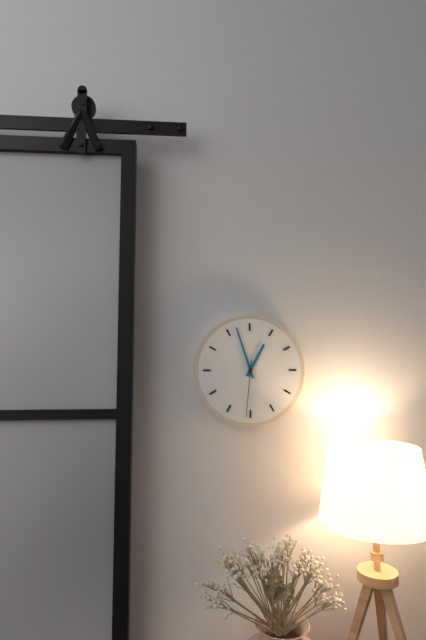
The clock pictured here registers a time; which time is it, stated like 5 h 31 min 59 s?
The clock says 12 h 57 min 31 s
